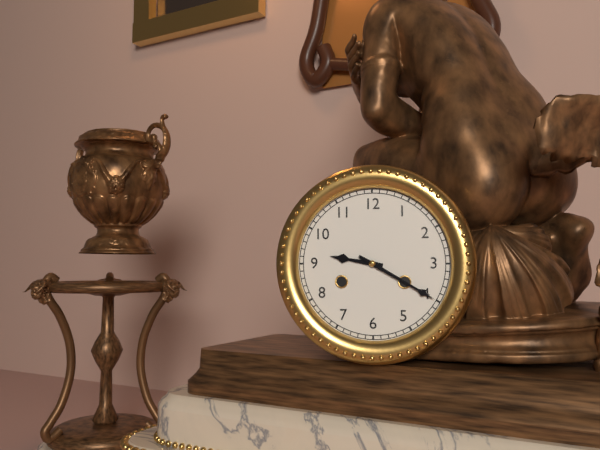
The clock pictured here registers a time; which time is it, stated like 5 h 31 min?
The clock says 9 h 20 min
